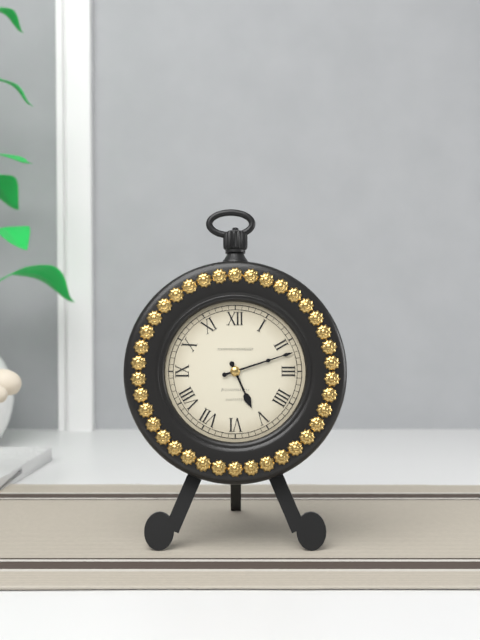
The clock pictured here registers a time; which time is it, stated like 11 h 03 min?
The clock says 5 h 12 min
